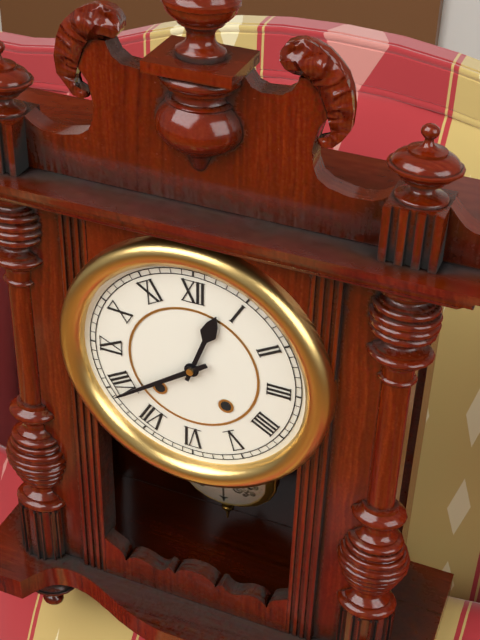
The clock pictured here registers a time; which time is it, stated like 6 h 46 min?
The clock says 12 h 39 min
